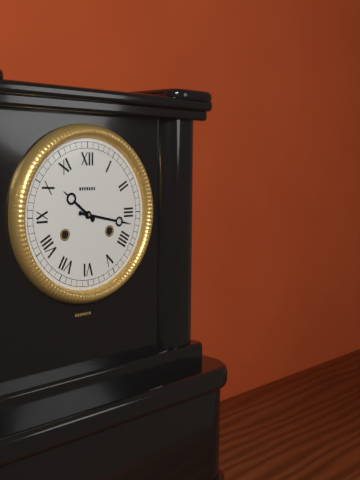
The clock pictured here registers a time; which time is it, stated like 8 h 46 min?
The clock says 10 h 17 min
